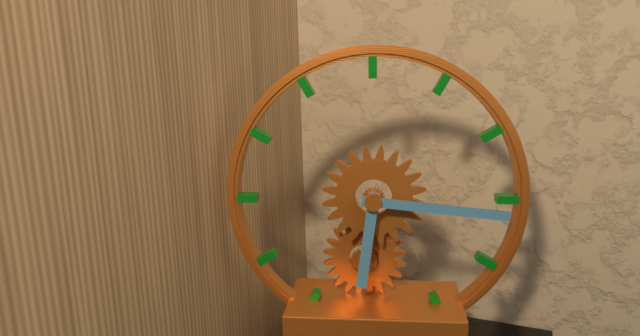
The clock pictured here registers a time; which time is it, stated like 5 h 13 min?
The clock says 6 h 16 min
